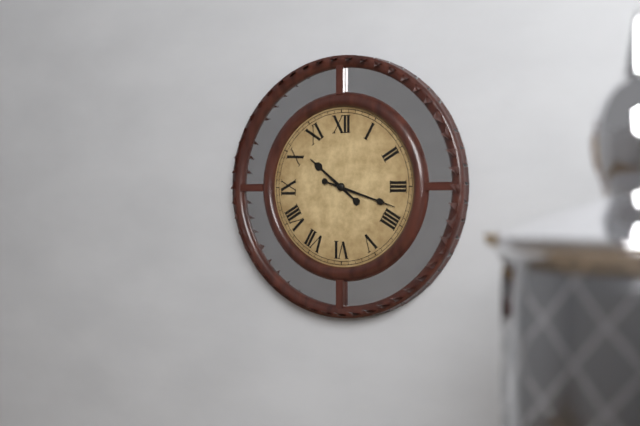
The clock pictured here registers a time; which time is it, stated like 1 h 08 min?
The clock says 10 h 18 min
